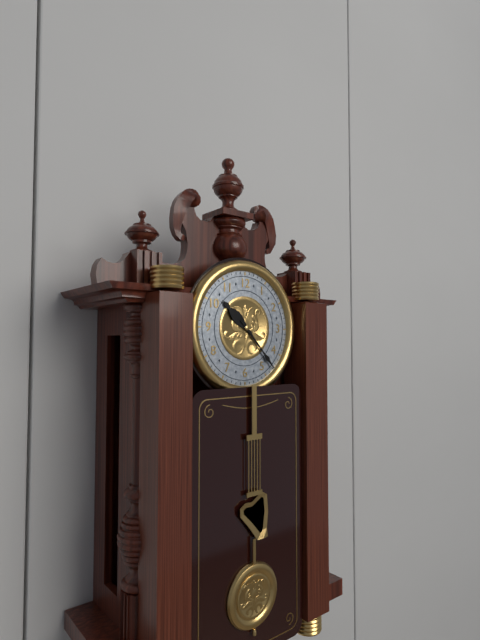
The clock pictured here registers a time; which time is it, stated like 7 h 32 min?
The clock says 10 h 23 min
